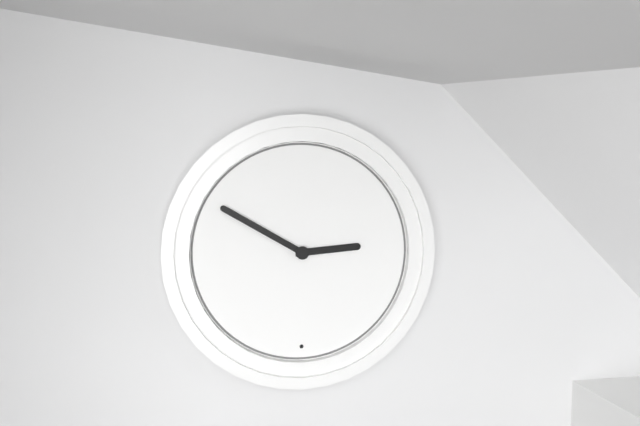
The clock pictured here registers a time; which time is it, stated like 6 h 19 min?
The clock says 2 h 50 min
